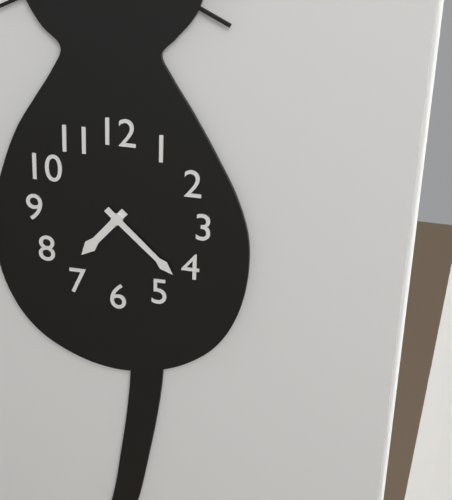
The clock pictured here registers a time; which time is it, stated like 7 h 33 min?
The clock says 7 h 22 min
